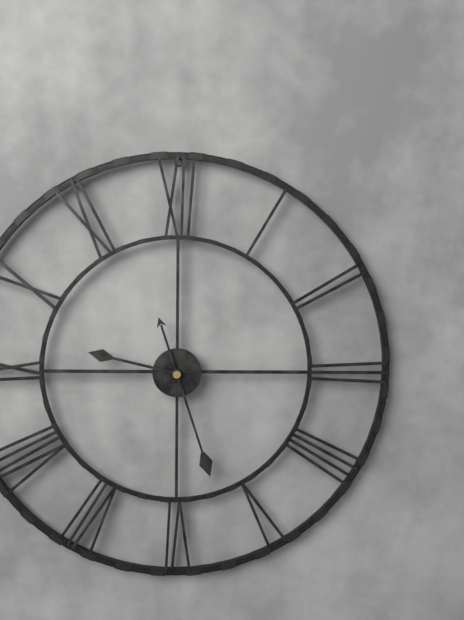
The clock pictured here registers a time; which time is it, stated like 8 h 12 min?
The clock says 9 h 27 min
